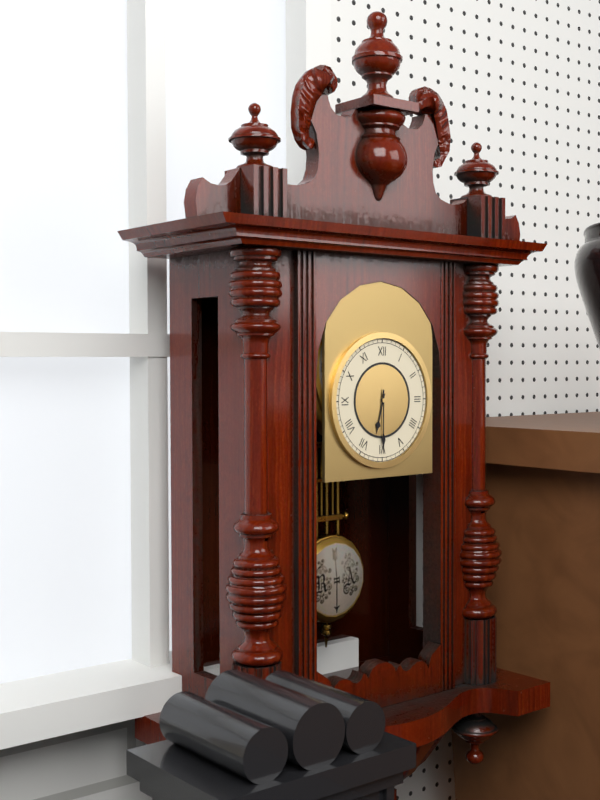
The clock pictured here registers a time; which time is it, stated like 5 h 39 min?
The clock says 6 h 30 min
